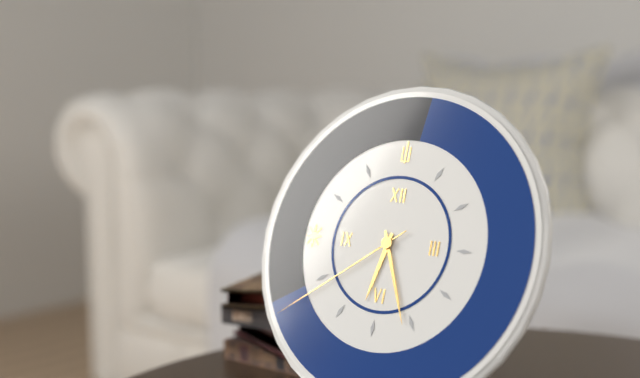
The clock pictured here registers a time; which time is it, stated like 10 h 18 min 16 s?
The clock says 6 h 26 min 39 s
